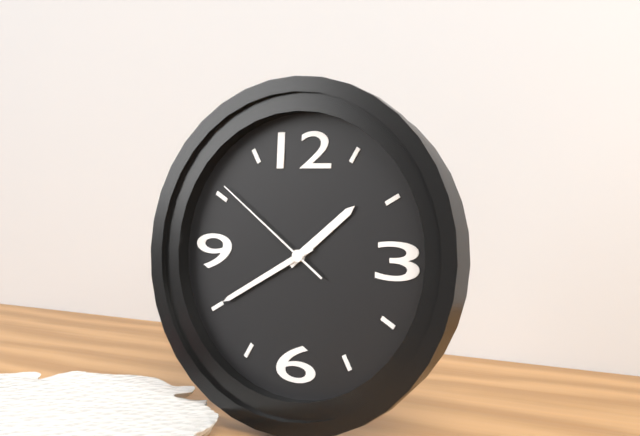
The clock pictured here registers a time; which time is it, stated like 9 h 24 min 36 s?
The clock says 1 h 40 min 51 s
